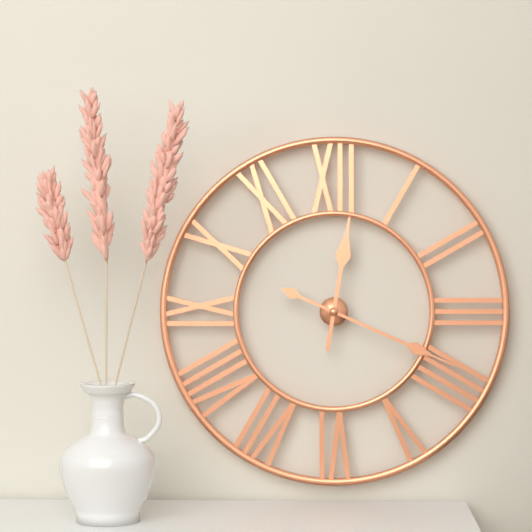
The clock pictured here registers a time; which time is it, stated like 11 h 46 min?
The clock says 12 h 19 min
